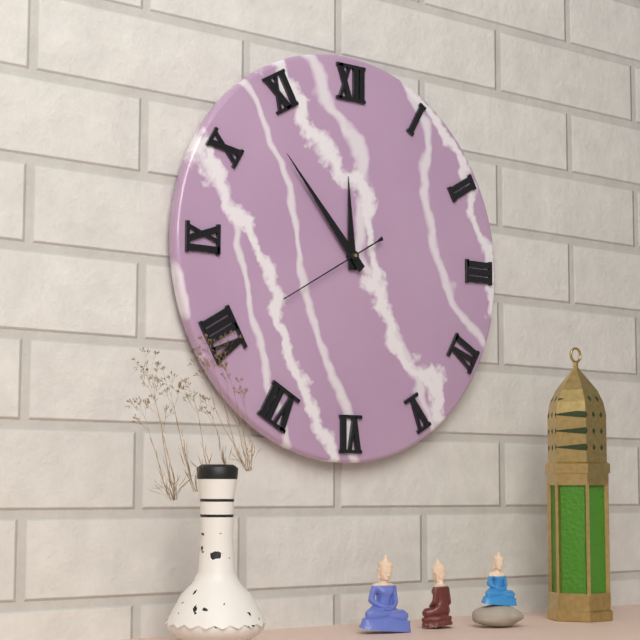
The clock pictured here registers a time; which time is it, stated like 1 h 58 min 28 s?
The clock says 11 h 53 min 40 s
